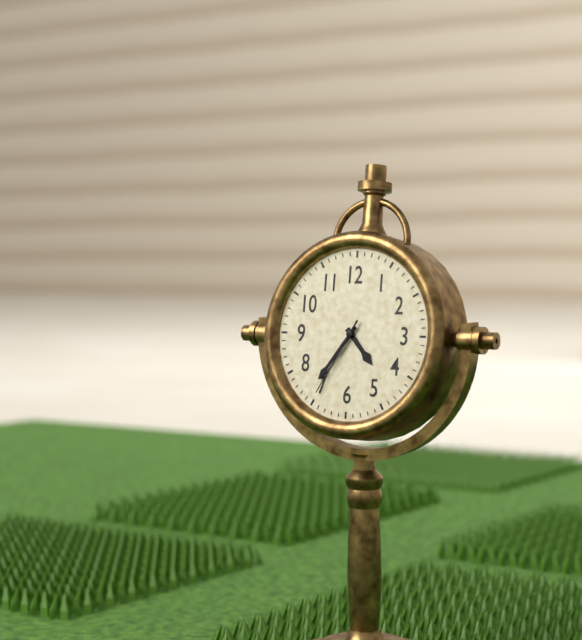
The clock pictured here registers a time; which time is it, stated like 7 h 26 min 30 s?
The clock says 4 h 36 min 35 s
